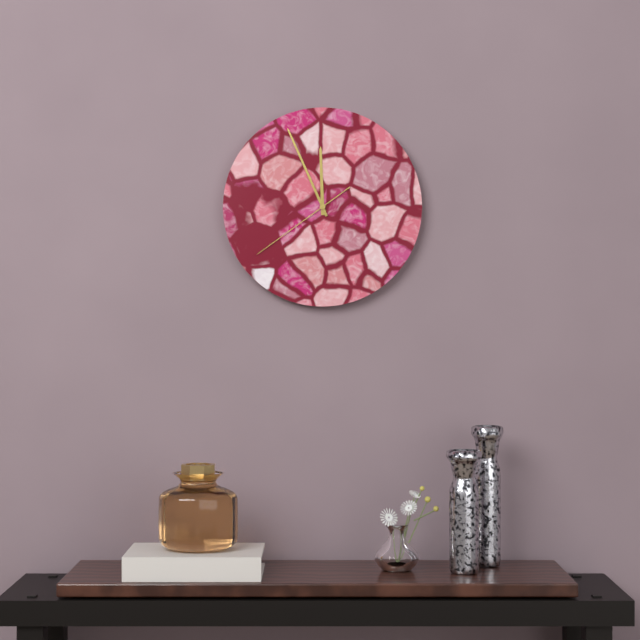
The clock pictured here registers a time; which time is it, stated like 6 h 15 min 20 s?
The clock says 11 h 56 min 39 s
